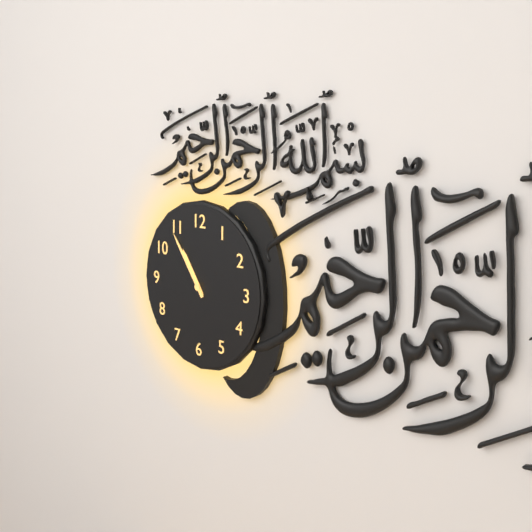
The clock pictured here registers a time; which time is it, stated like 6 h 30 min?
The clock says 10 h 54 min
